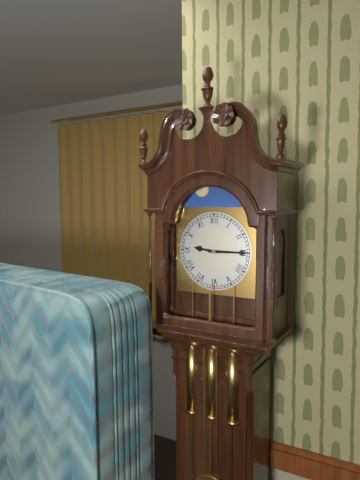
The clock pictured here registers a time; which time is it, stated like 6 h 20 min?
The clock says 9 h 15 min
